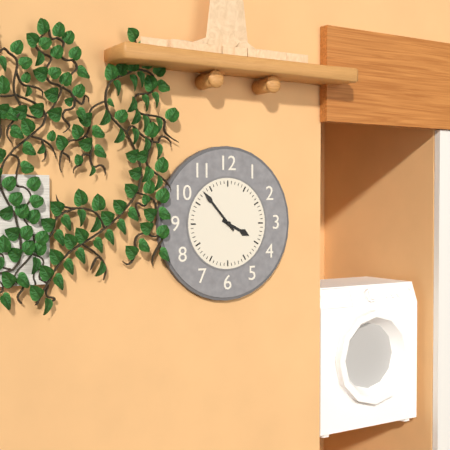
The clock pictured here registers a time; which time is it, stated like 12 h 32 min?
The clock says 3 h 53 min
